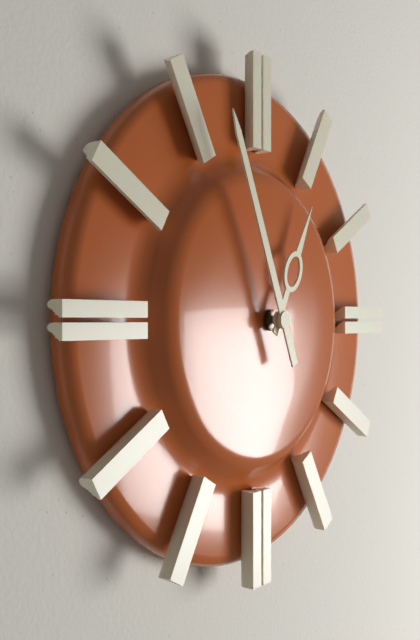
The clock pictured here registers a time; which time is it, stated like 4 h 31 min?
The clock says 12 h 56 min
